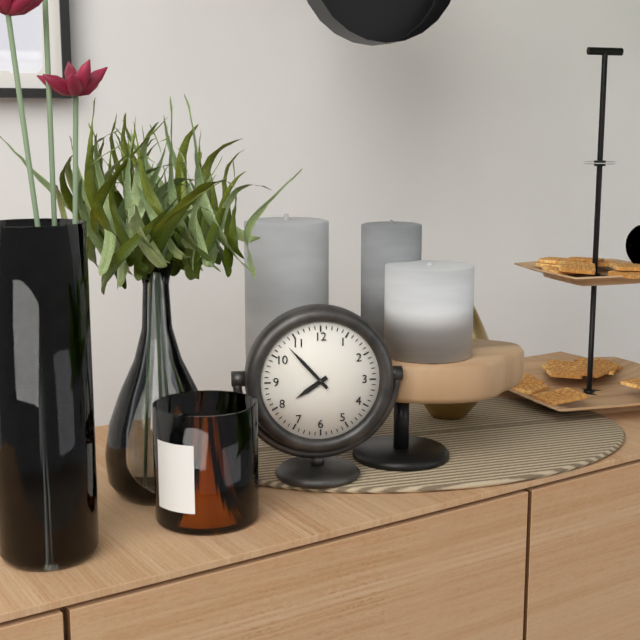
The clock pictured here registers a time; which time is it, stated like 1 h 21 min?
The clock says 7 h 53 min
